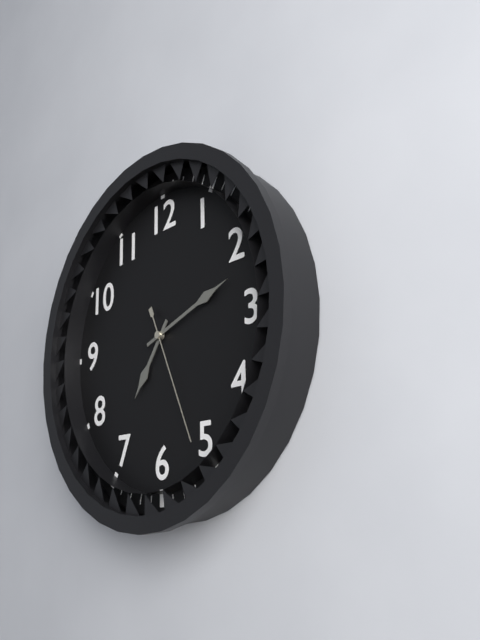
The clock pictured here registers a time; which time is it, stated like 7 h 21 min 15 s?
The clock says 7 h 12 min 26 s
